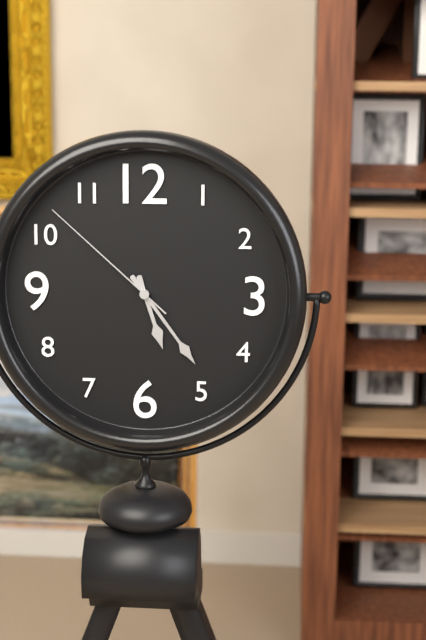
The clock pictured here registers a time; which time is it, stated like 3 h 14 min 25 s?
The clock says 5 h 24 min 52 s
